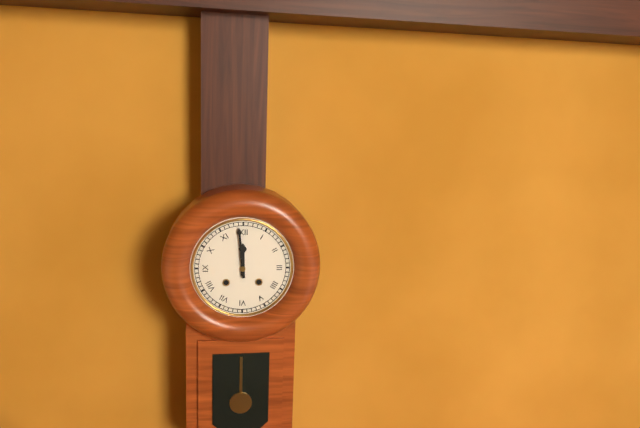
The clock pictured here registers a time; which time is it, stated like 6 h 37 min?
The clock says 11 h 59 min
